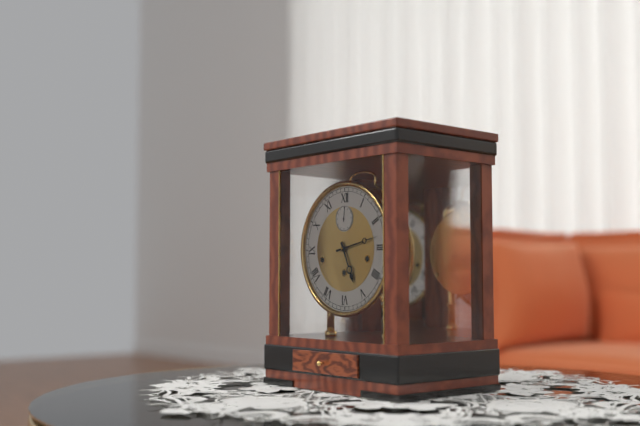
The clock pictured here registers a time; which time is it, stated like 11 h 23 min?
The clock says 5 h 13 min
